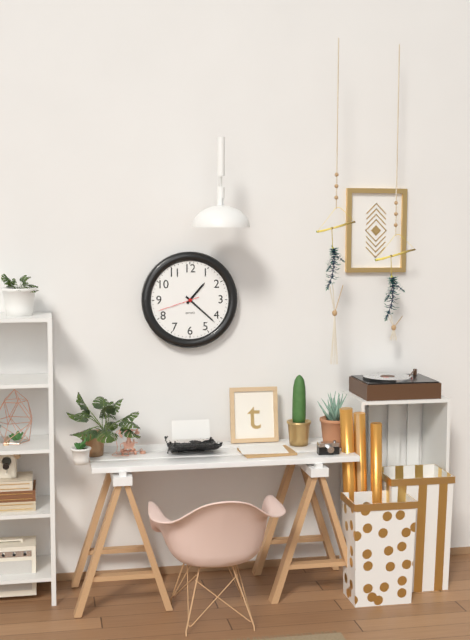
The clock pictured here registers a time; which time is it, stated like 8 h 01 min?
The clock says 1 h 22 min
